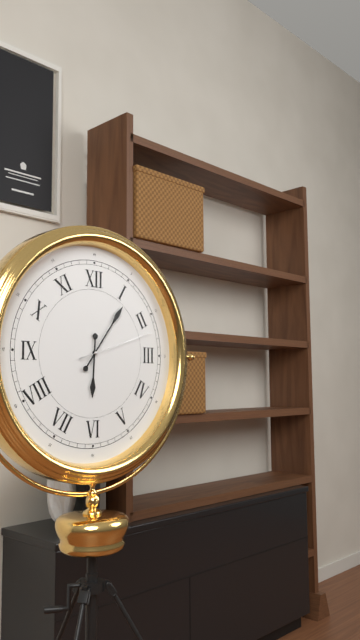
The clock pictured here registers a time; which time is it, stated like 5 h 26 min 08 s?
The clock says 6 h 06 min 12 s
